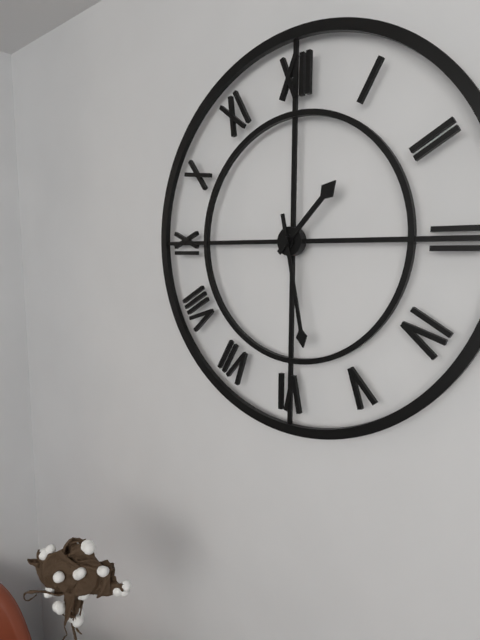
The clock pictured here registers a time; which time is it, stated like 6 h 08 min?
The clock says 1 h 28 min
